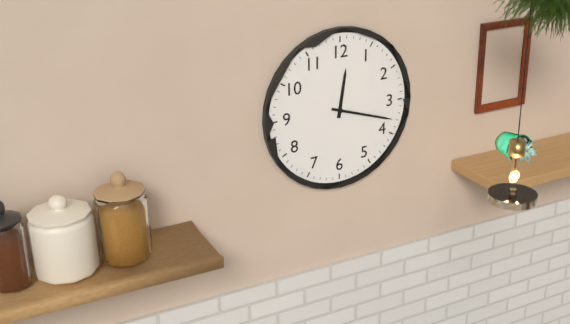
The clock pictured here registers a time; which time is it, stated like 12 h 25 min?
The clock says 12 h 18 min
